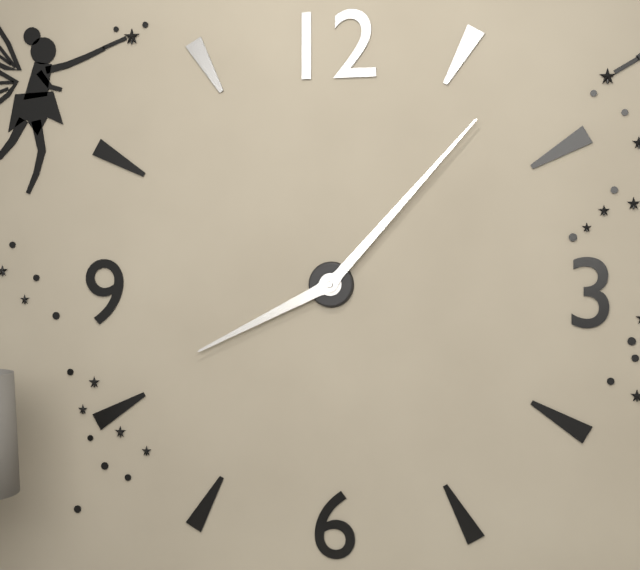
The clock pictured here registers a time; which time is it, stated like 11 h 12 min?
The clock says 8 h 07 min
